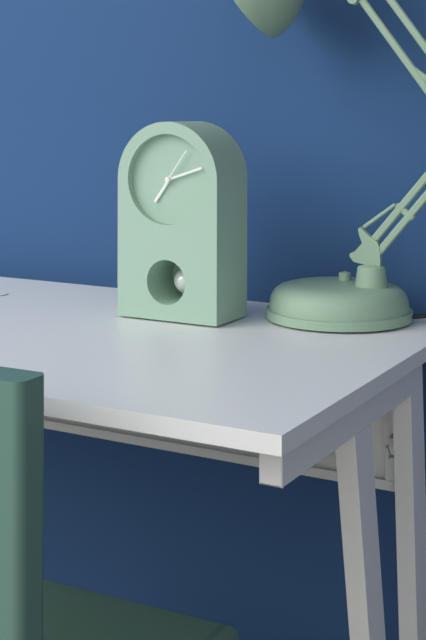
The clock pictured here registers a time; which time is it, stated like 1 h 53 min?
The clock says 7 h 12 min
